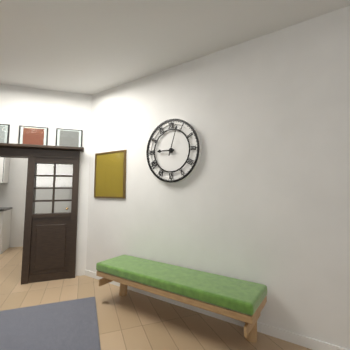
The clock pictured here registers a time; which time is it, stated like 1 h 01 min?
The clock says 9 h 03 min
